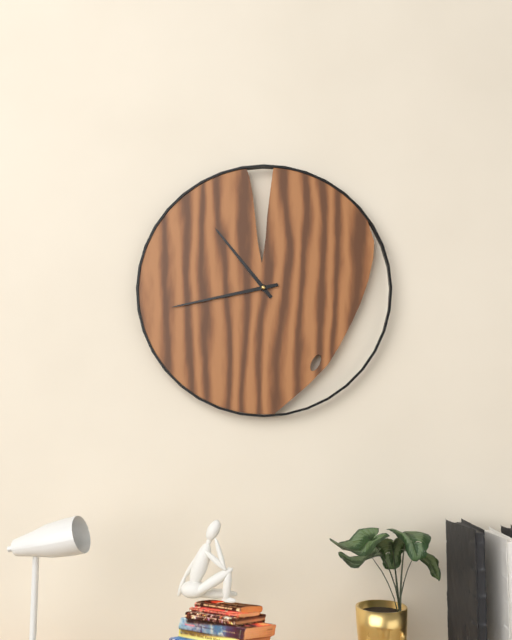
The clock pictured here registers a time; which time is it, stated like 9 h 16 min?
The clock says 10 h 43 min
